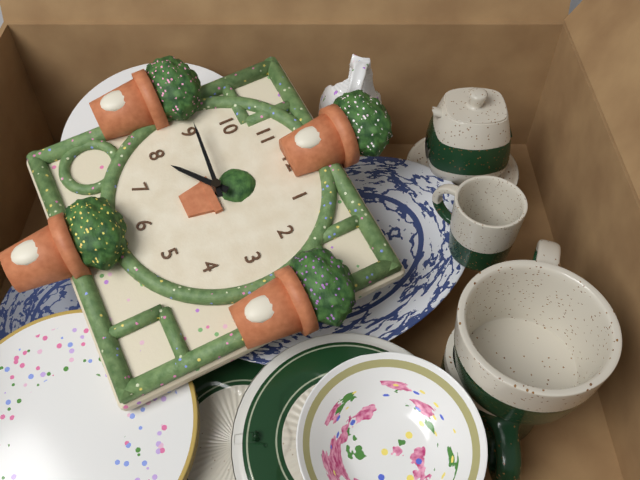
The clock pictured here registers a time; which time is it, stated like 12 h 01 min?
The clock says 7 h 46 min
